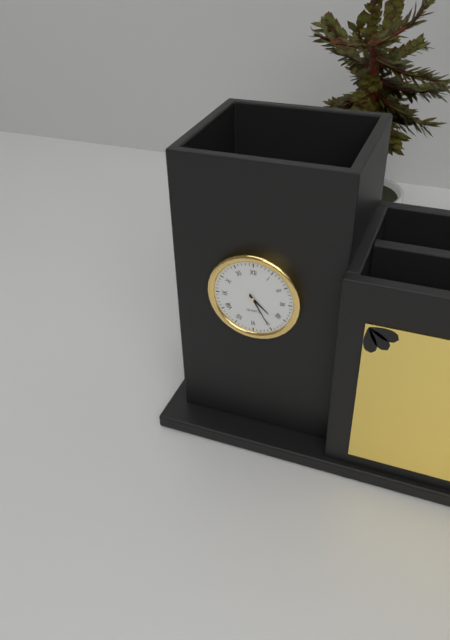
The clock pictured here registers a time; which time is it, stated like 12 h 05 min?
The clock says 4 h 25 min
